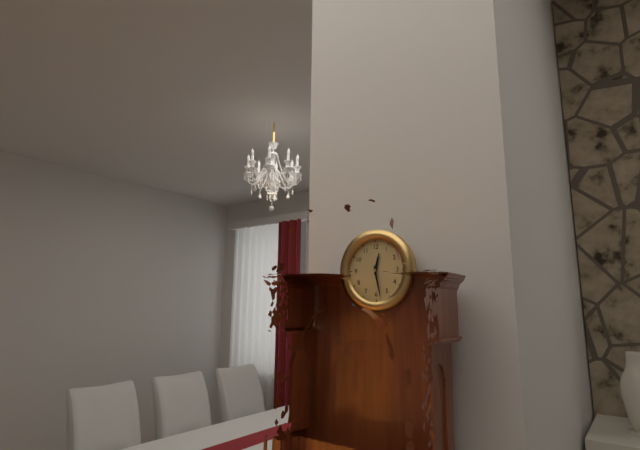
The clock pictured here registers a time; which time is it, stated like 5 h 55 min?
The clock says 12 h 28 min
